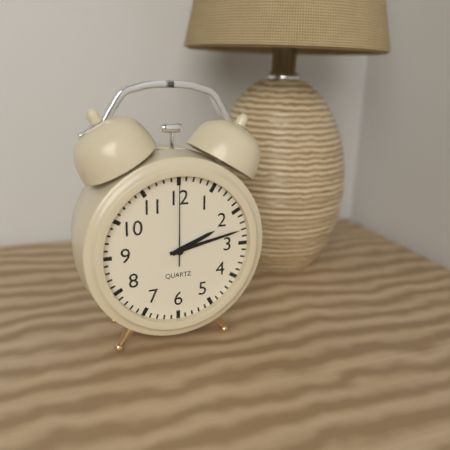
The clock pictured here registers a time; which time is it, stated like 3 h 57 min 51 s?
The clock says 2 h 13 min 00 s
